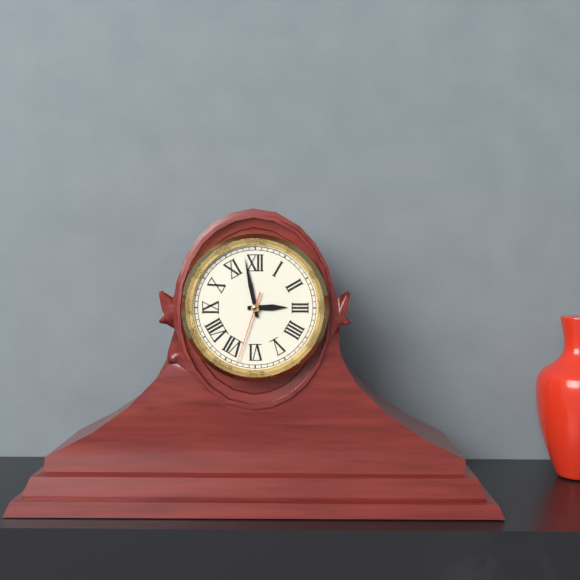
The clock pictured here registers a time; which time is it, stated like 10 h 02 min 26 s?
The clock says 2 h 58 min 33 s
